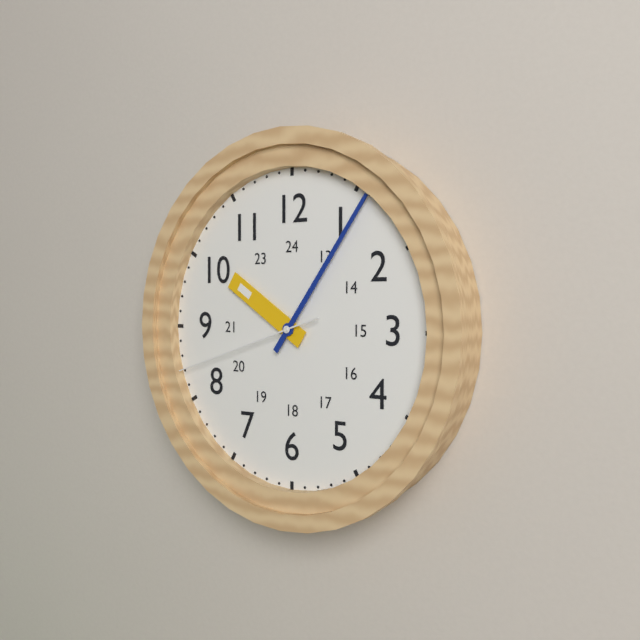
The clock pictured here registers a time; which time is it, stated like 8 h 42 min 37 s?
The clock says 10 h 06 min 42 s
